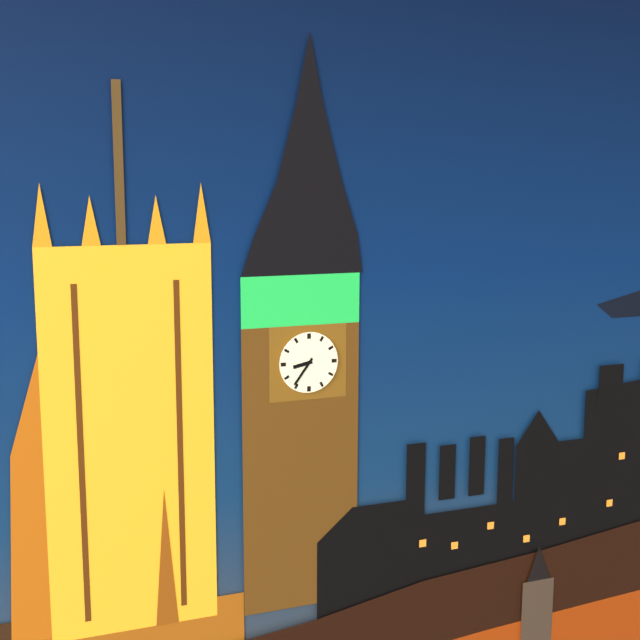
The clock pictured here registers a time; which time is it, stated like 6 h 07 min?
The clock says 8 h 36 min
